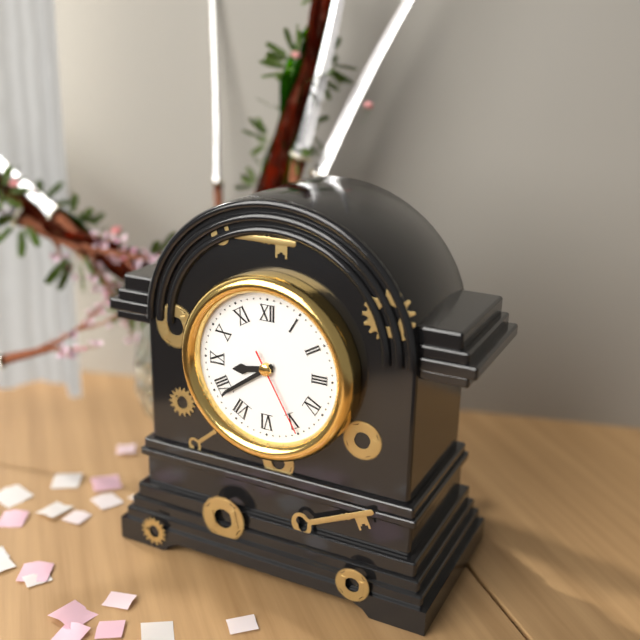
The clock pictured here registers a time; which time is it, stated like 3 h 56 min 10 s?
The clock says 8 h 39 min 25 s
